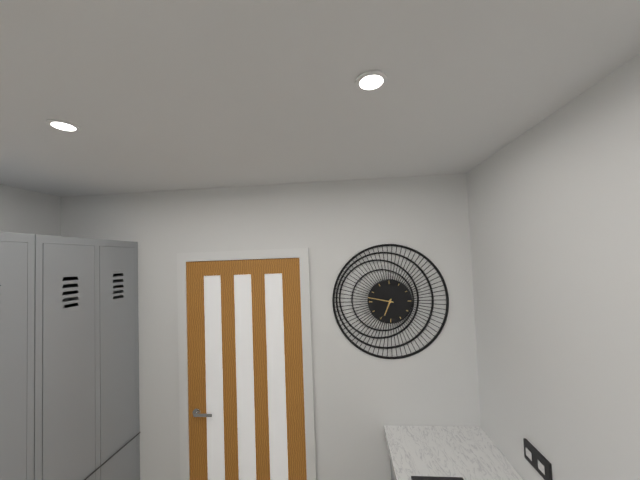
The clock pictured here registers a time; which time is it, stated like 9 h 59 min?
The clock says 6 h 47 min
